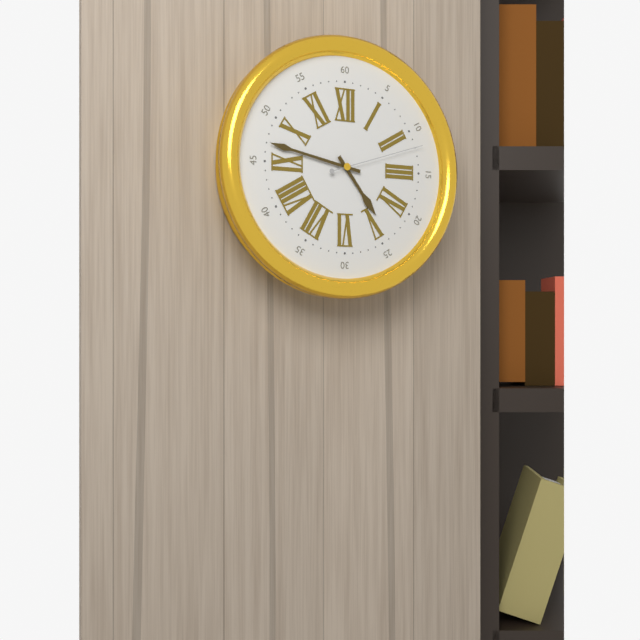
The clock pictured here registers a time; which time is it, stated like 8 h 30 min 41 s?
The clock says 4 h 47 min 12 s
